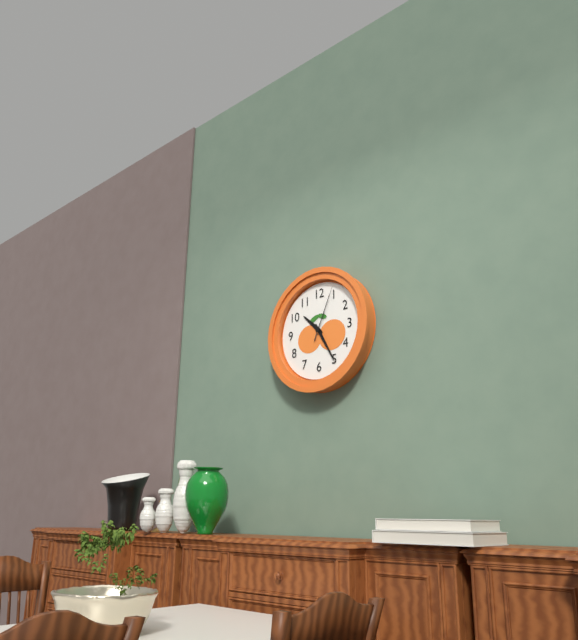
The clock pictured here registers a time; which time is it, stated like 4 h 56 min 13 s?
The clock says 10 h 25 min 04 s
